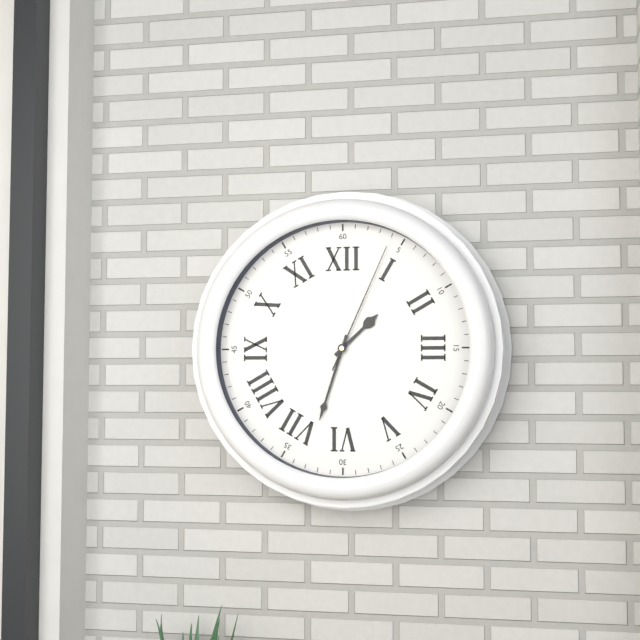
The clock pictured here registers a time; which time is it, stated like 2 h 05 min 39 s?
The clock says 1 h 33 min 04 s
